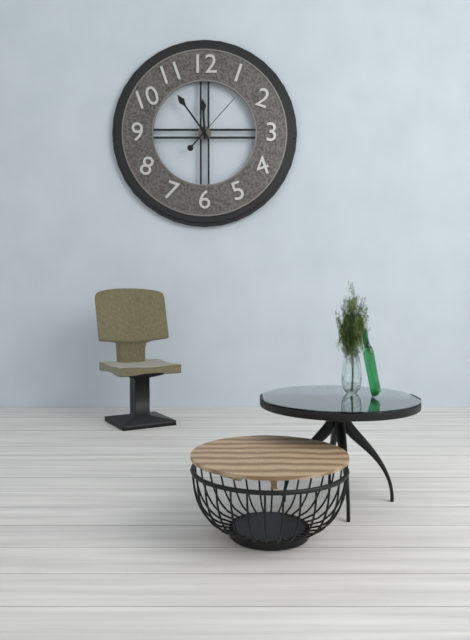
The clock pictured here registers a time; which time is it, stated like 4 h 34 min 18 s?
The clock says 11 h 54 min 07 s
